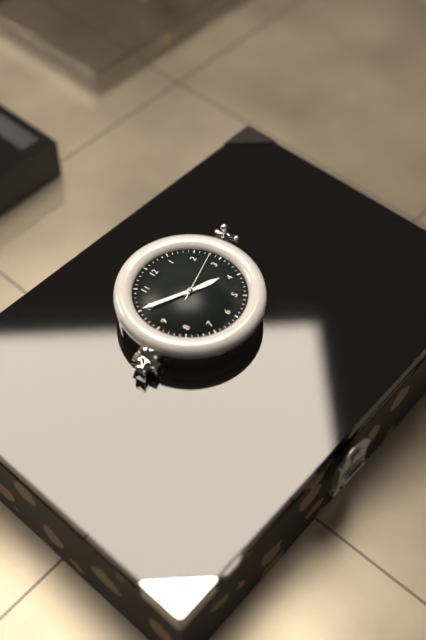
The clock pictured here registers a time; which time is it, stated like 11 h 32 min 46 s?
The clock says 3 h 50 min 13 s
